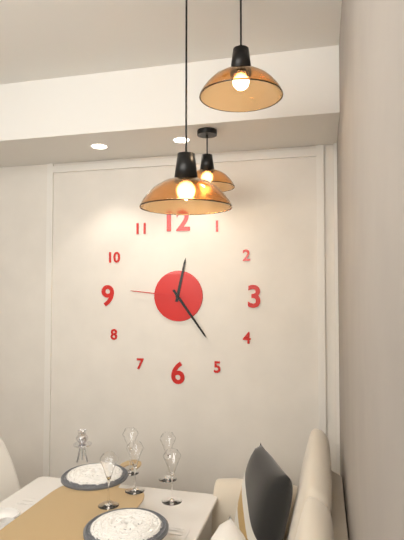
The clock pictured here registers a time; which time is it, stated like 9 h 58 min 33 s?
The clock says 12 h 24 min 46 s
